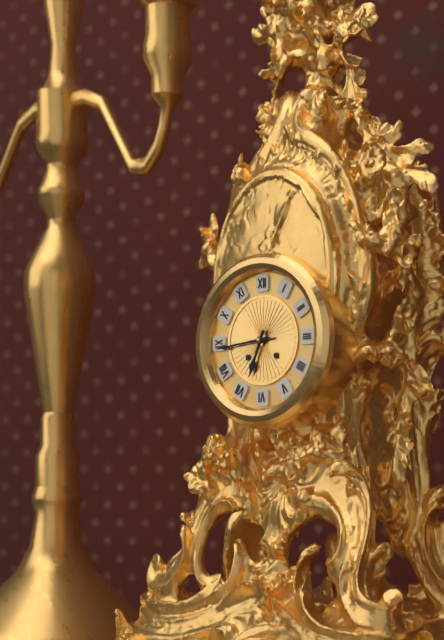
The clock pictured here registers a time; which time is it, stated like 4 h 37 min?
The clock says 6 h 44 min
